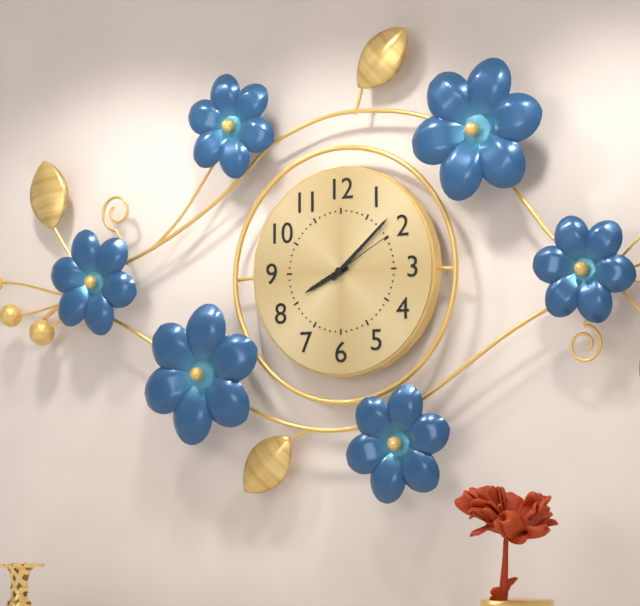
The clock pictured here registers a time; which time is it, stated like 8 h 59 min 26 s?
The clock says 8 h 08 min 10 s
